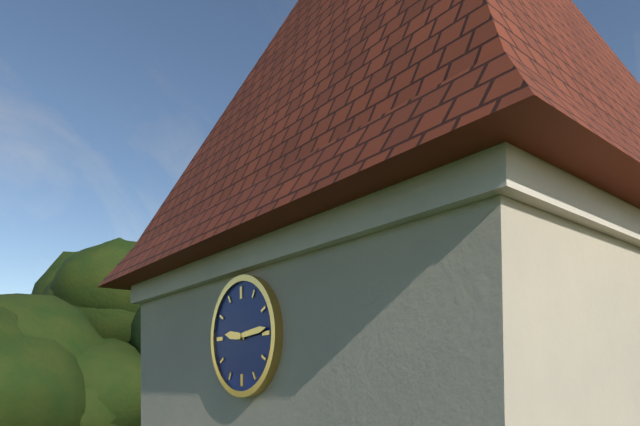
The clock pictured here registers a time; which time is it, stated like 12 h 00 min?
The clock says 9 h 14 min
